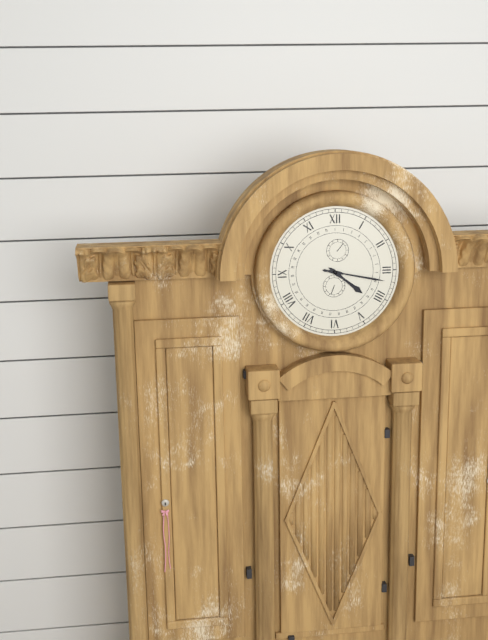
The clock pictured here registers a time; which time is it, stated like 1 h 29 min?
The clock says 4 h 17 min
